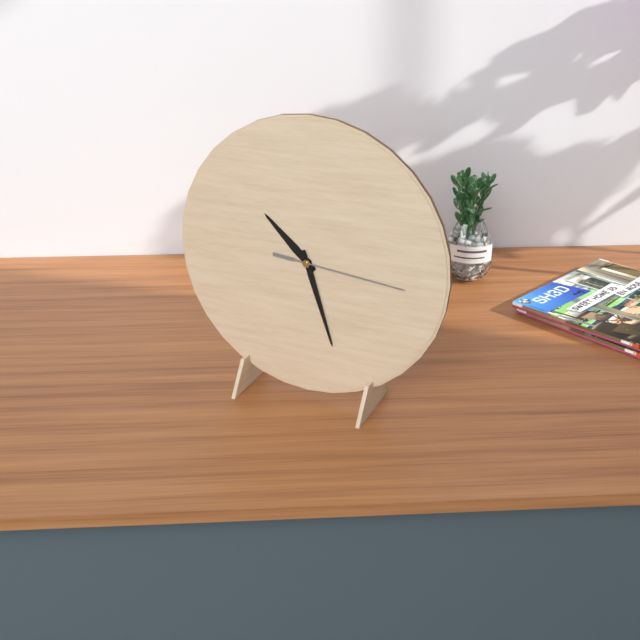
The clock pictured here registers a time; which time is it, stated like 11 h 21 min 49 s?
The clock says 10 h 27 min 16 s
